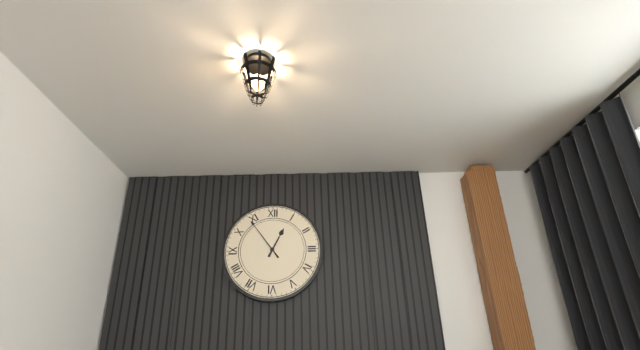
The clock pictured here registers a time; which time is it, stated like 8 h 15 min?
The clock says 12 h 54 min
